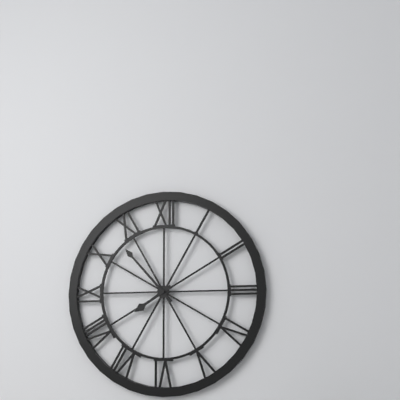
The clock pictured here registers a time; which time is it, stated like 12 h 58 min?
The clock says 7 h 53 min
